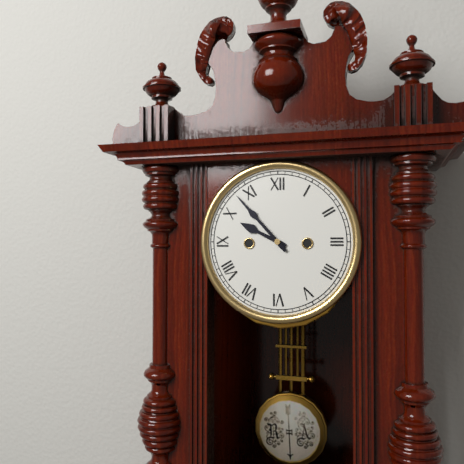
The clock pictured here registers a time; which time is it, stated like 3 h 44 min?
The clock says 9 h 53 min
